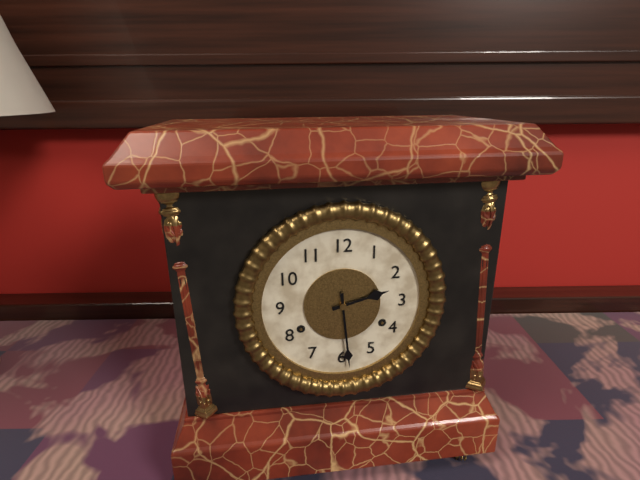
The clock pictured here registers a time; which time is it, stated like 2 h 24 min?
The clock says 2 h 29 min
